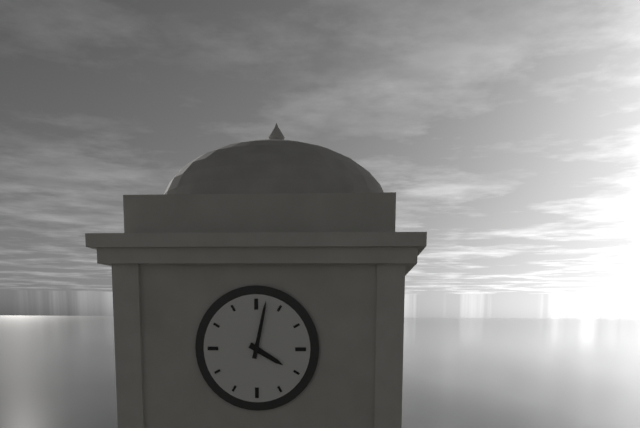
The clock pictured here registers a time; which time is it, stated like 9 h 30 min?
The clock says 4 h 02 min
